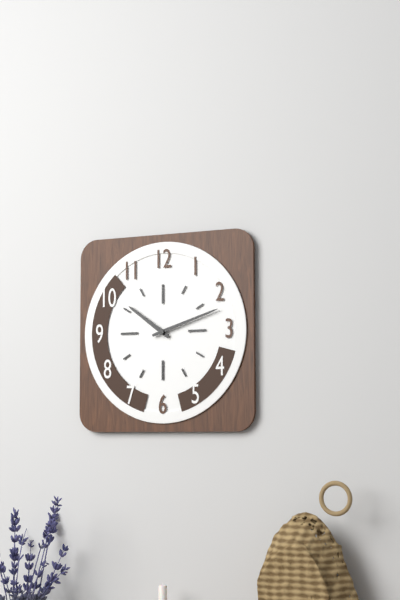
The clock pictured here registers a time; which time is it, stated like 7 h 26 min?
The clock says 10 h 12 min
